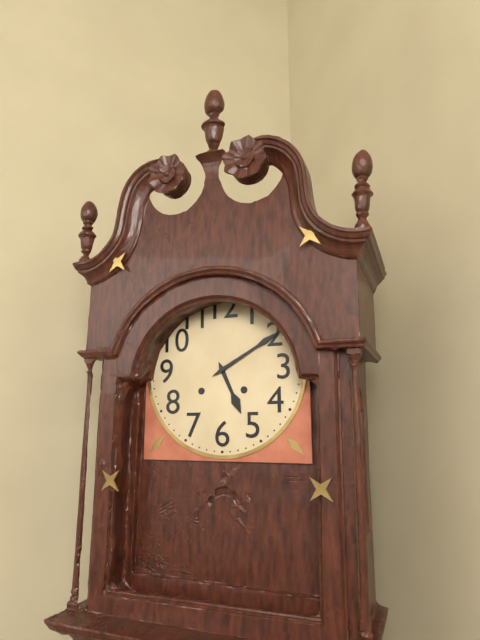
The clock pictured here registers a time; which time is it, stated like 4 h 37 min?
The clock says 5 h 10 min
